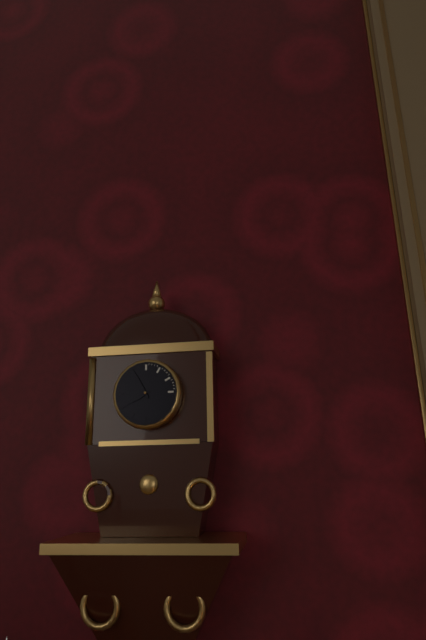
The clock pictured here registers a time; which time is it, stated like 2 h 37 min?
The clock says 7 h 55 min
